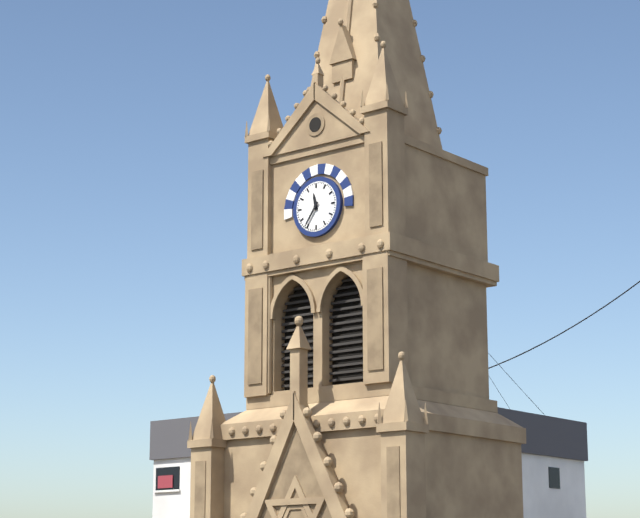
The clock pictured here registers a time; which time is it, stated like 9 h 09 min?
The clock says 11 h 36 min
